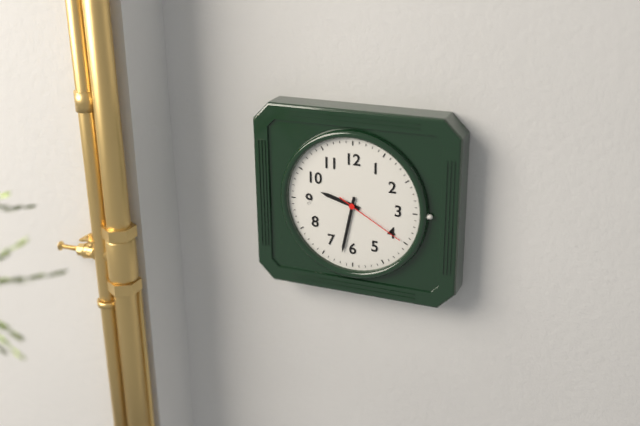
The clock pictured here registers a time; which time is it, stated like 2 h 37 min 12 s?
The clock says 9 h 32 min 20 s
